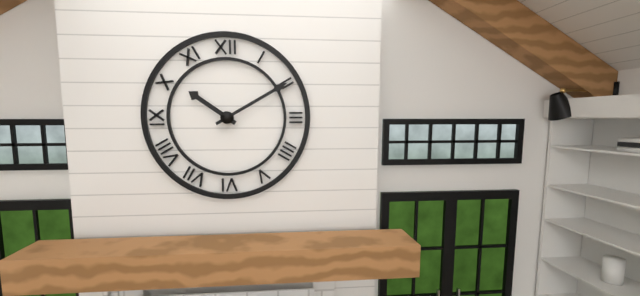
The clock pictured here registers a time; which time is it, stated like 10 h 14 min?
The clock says 10 h 10 min
